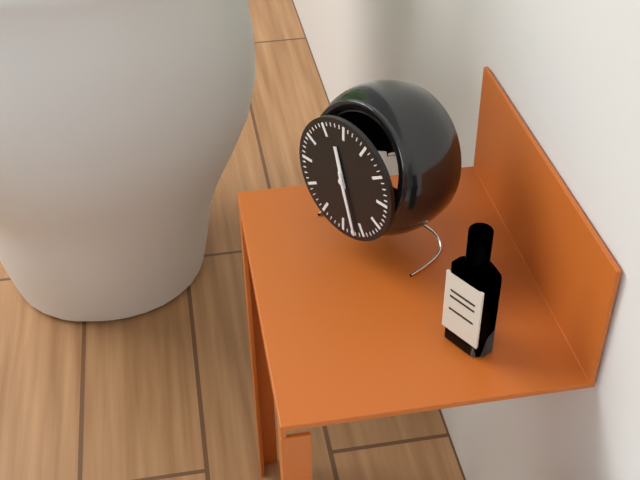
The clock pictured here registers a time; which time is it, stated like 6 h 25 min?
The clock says 11 h 27 min
